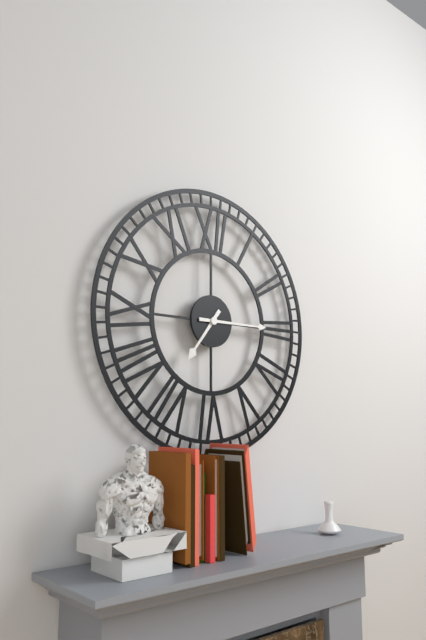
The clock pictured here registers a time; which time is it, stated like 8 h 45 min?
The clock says 7 h 15 min
